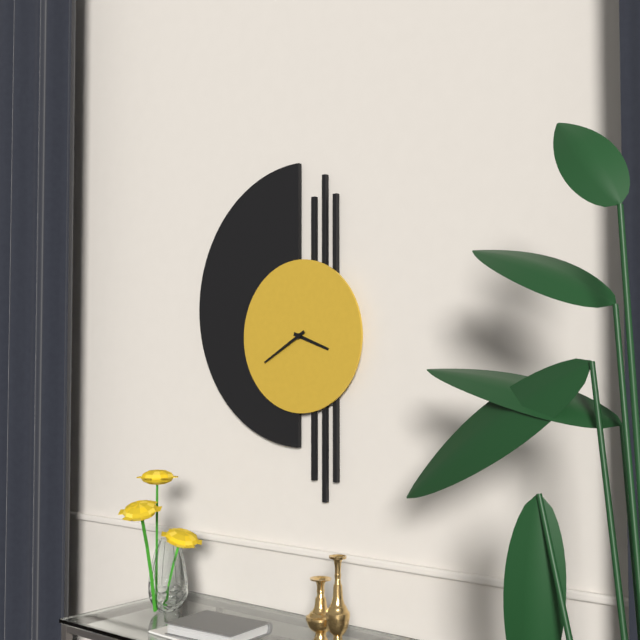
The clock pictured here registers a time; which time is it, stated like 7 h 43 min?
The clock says 3 h 40 min
